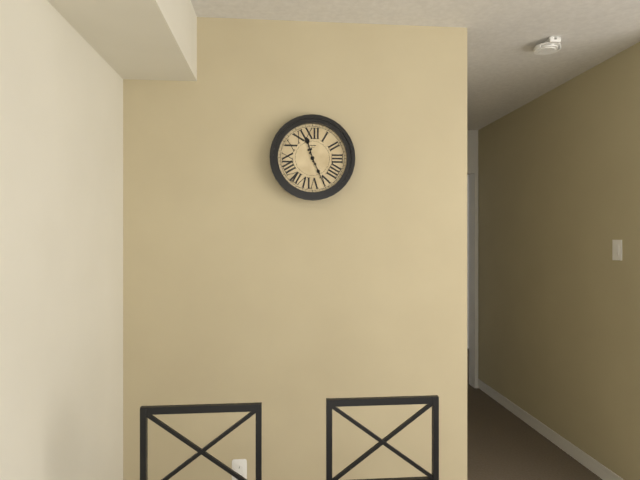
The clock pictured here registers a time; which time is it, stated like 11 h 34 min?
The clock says 11 h 26 min
